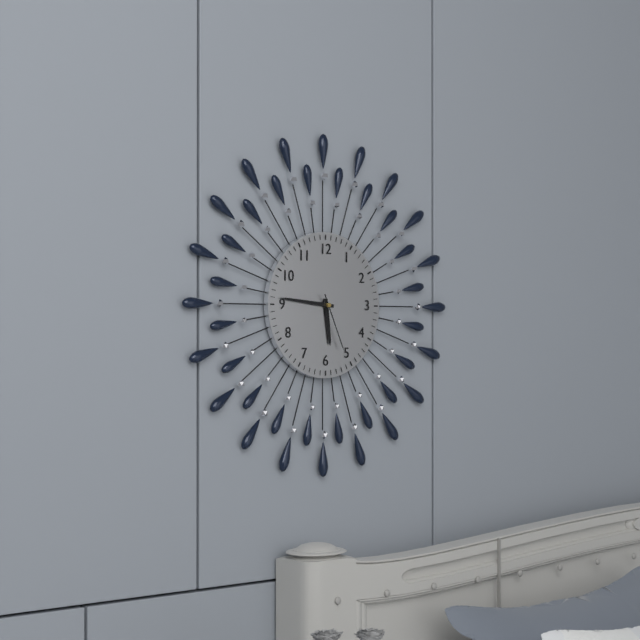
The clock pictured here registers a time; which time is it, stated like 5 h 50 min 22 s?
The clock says 5 h 46 min 26 s
